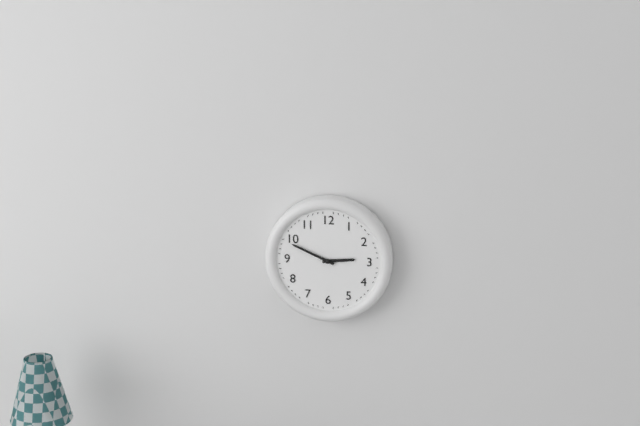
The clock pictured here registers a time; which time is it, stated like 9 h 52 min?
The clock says 2 h 49 min
